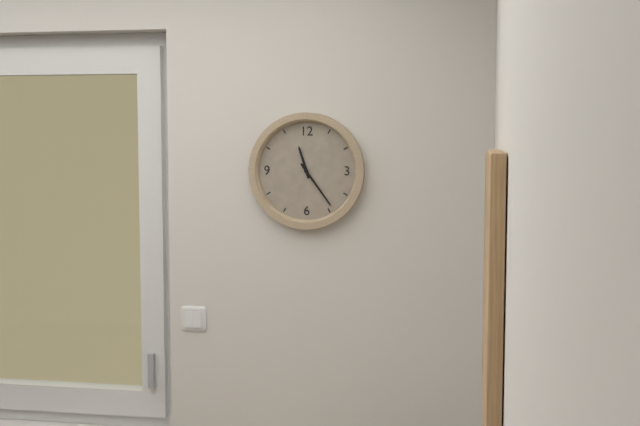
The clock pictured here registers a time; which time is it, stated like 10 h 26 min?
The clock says 11 h 24 min
